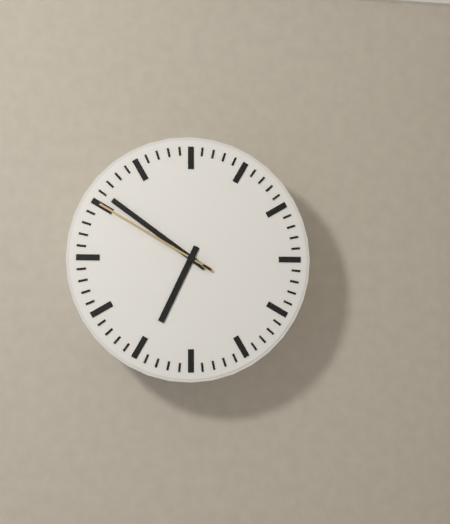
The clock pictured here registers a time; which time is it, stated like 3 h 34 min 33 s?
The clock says 6 h 51 min 50 s
